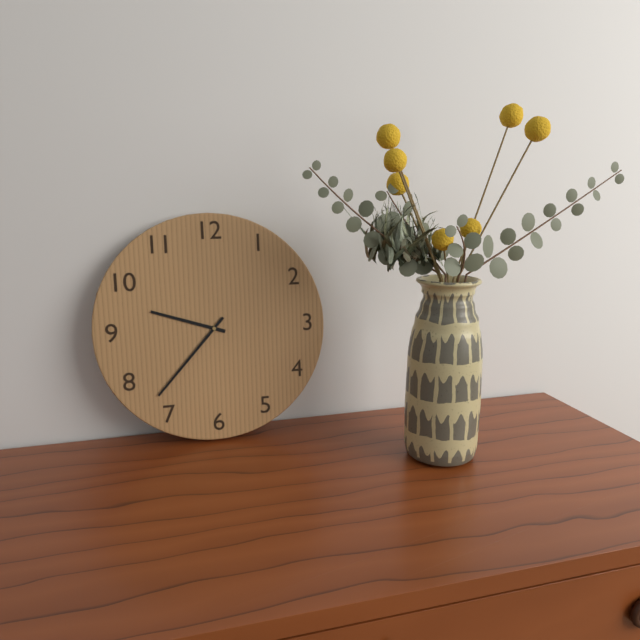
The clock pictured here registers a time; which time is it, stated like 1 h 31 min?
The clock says 9 h 37 min
